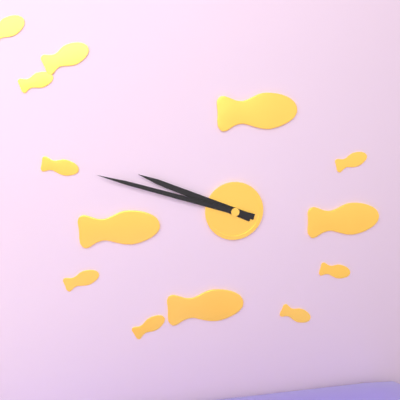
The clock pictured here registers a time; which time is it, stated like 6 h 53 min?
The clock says 9 h 48 min
